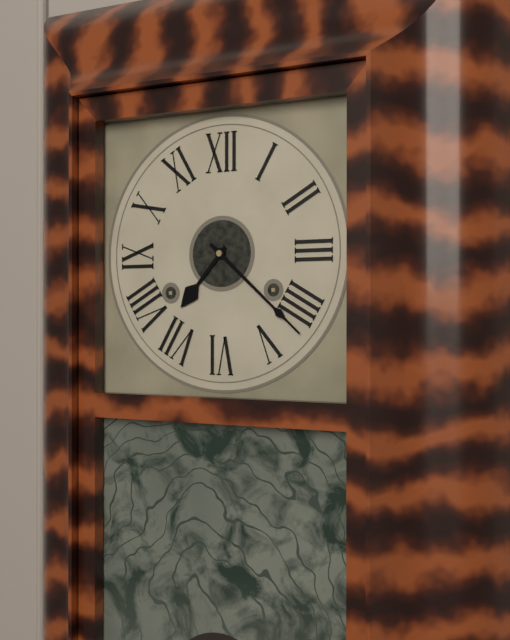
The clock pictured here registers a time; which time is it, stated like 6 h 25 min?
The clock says 7 h 22 min
